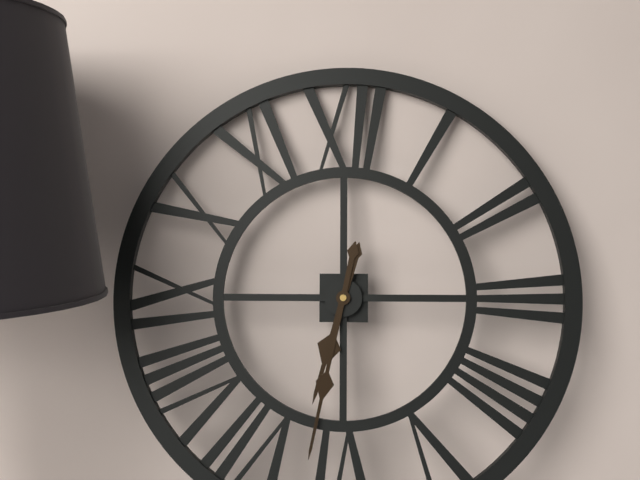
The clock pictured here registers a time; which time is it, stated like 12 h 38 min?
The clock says 6 h 32 min
